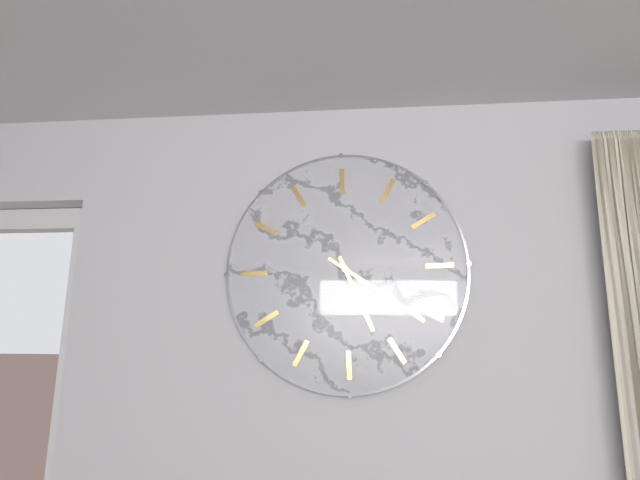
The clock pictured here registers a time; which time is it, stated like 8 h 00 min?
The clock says 4 h 16 min
